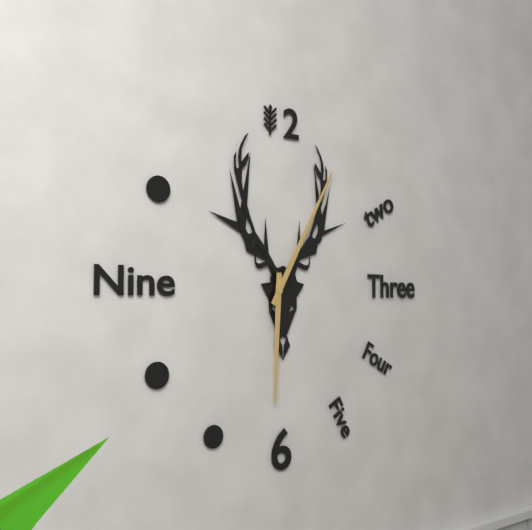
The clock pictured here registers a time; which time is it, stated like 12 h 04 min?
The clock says 6 h 05 min
